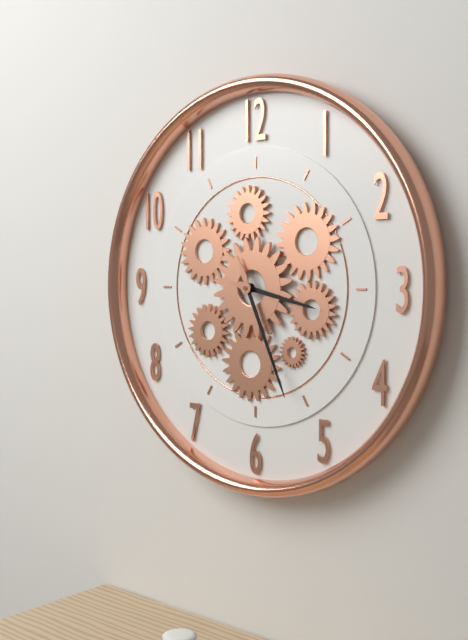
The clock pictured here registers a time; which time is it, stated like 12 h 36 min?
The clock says 3 h 26 min
